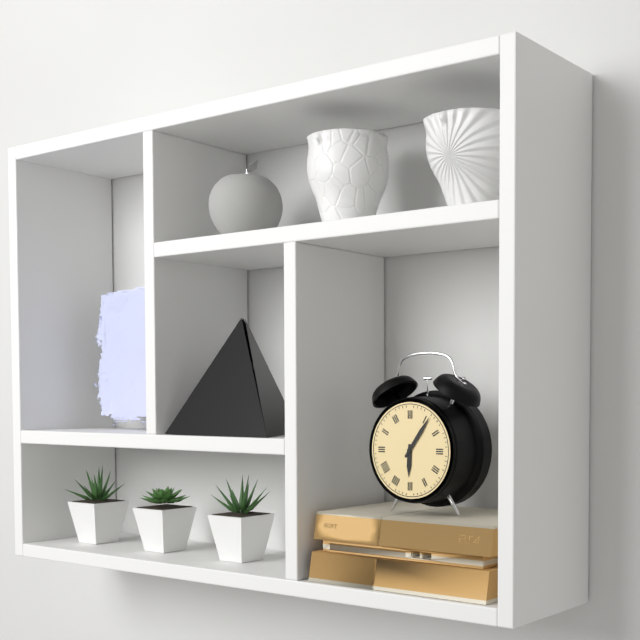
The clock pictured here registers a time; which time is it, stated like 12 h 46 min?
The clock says 6 h 06 min
